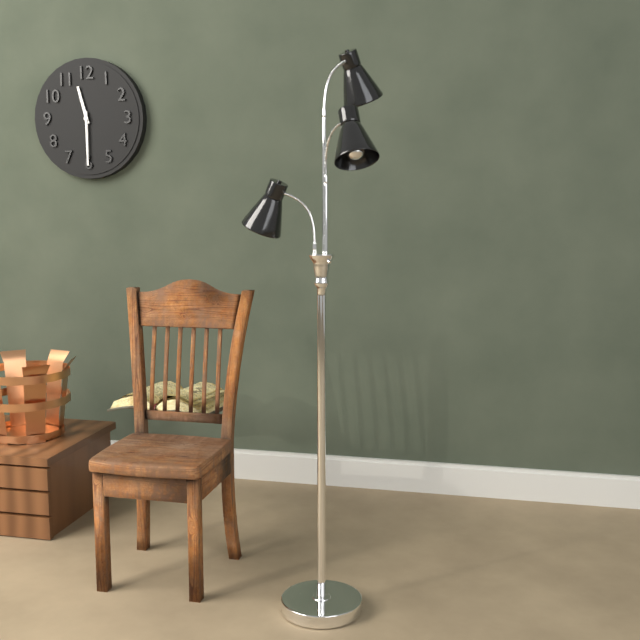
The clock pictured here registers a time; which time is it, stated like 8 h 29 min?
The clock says 11 h 30 min
